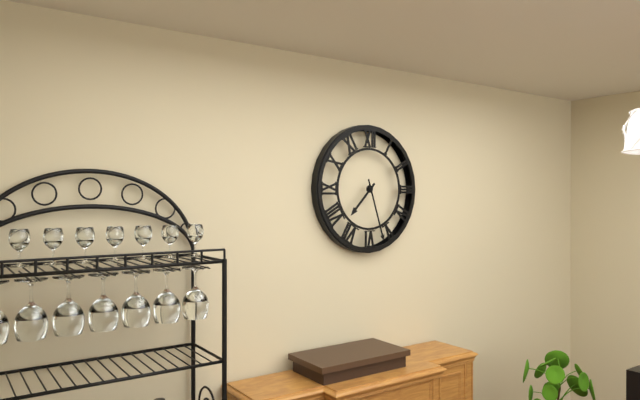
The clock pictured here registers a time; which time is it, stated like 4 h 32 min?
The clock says 7 h 27 min
